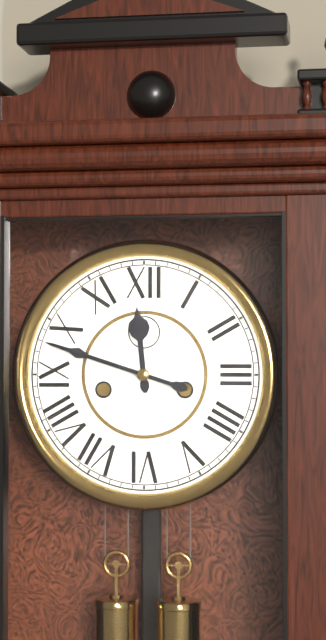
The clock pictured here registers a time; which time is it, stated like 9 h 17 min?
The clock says 11 h 48 min
